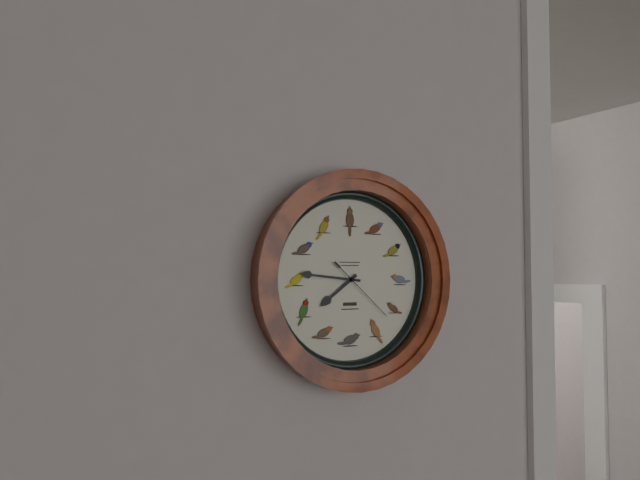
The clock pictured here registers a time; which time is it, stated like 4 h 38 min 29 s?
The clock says 7 h 46 min 22 s
